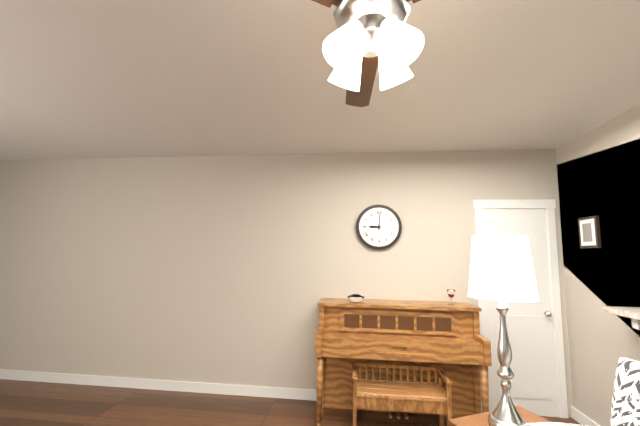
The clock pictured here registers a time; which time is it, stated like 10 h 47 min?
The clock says 9 h 01 min
